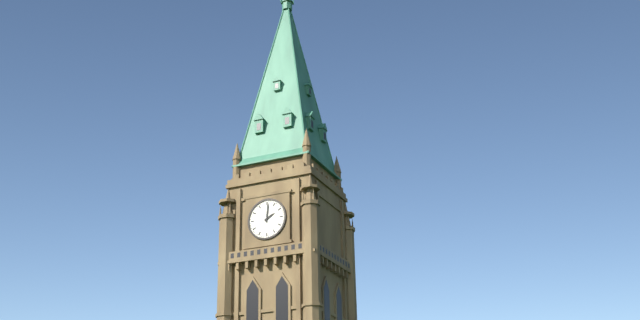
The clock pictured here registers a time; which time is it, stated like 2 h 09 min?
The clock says 2 h 01 min
